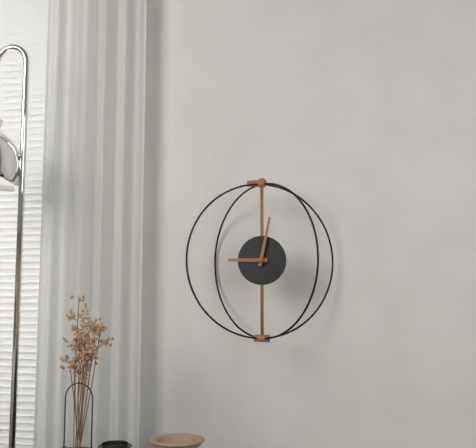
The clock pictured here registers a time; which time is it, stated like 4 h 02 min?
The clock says 9 h 02 min
